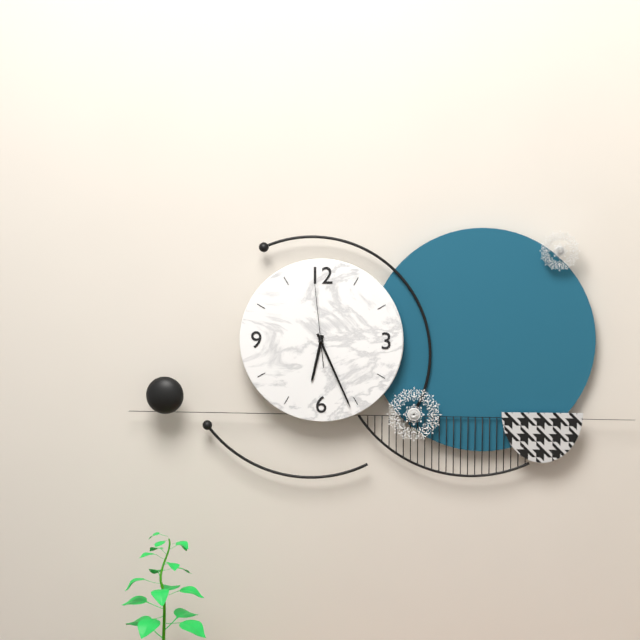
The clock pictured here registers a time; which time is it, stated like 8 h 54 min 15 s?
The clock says 6 h 26 min 59 s
